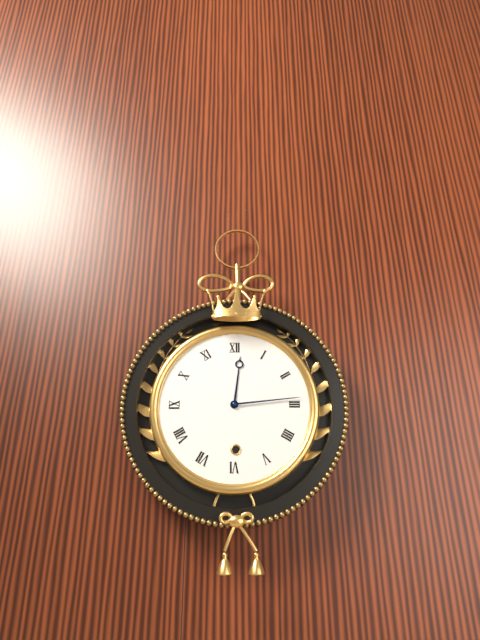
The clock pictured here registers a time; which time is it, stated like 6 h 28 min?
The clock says 12 h 14 min
